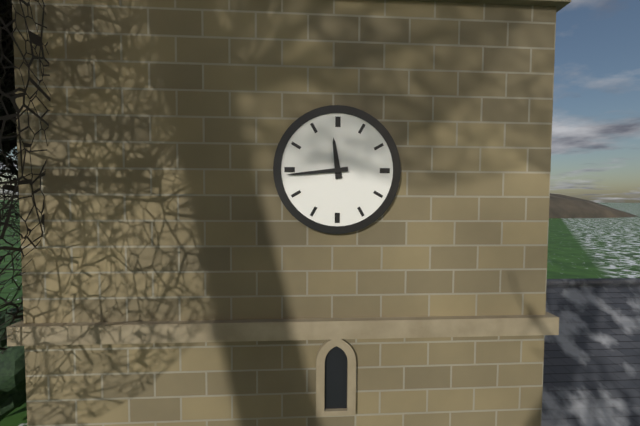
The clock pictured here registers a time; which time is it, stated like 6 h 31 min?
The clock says 11 h 44 min
